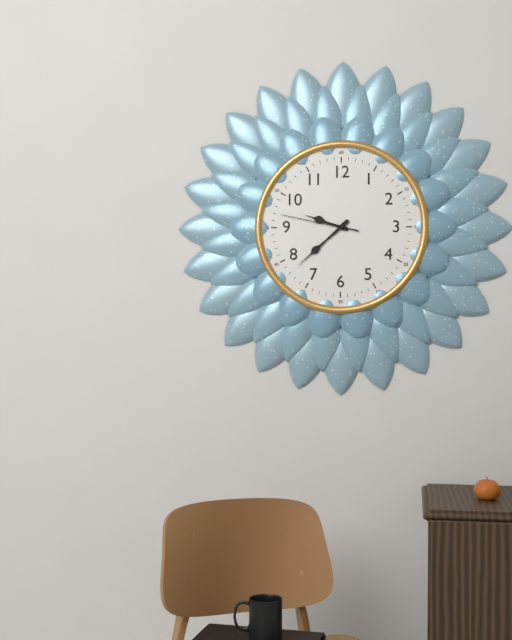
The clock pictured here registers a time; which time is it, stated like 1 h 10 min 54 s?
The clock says 9 h 38 min 47 s
